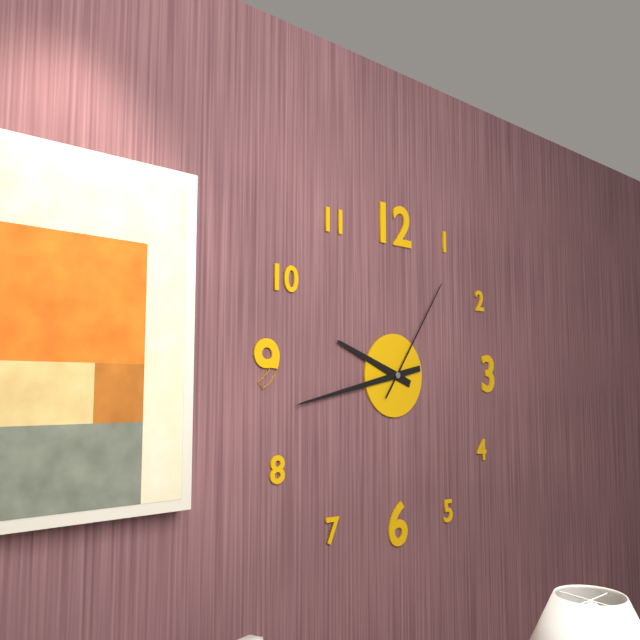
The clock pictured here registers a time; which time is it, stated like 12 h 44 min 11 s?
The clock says 9 h 43 min 06 s
